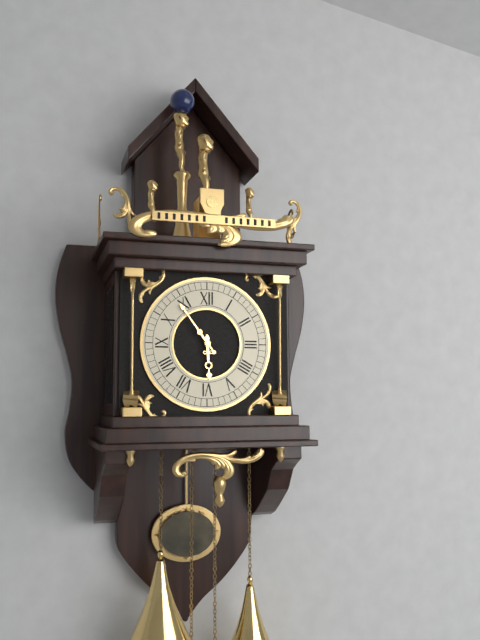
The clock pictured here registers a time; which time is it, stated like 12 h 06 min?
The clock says 5 h 54 min
